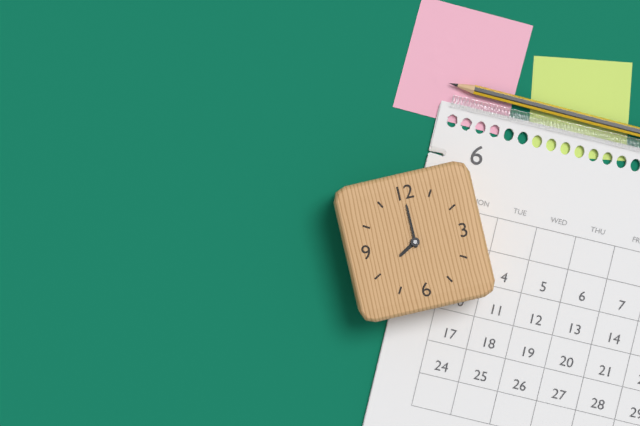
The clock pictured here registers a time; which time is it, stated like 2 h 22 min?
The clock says 8 h 00 min
